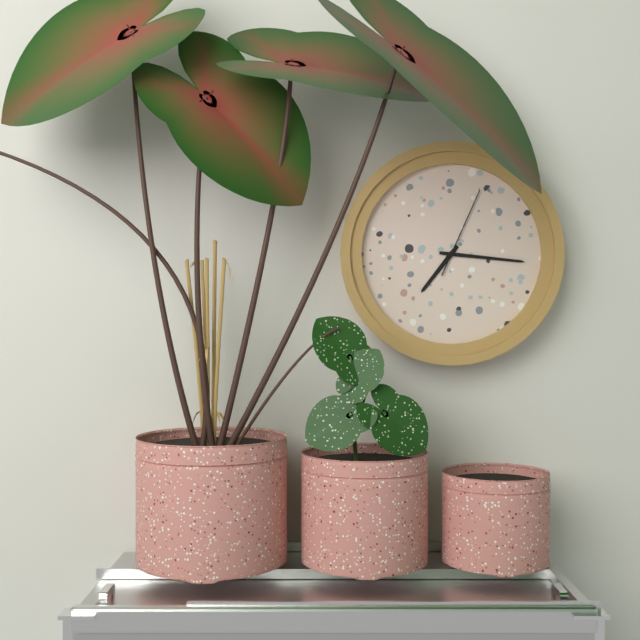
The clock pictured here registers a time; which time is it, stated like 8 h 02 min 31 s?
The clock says 7 h 16 min 04 s
